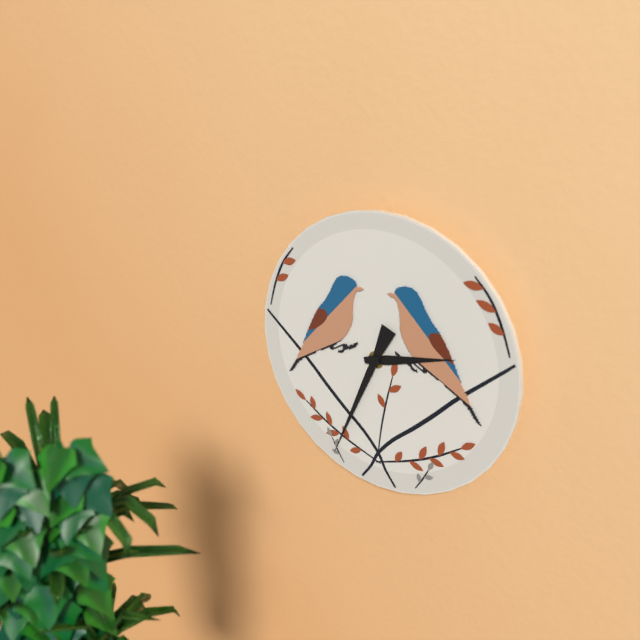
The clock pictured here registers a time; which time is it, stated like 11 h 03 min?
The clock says 2 h 34 min
